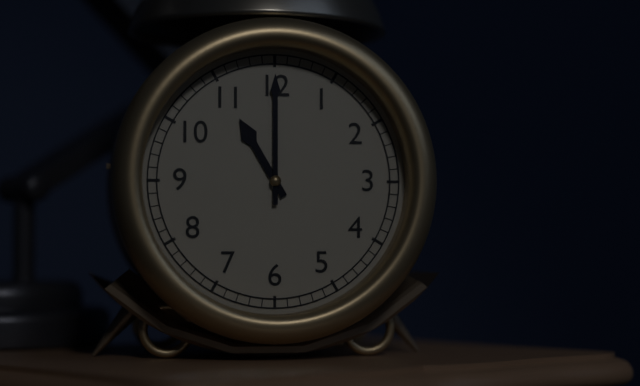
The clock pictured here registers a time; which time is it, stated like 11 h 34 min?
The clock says 11 h 00 min
